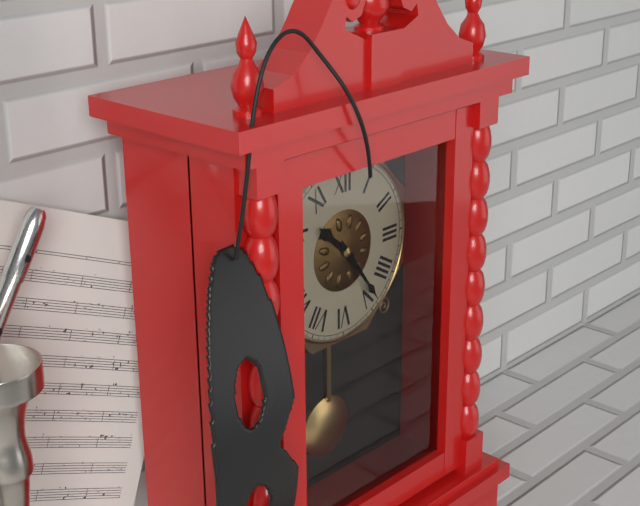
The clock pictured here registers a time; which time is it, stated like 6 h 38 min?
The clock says 10 h 24 min
